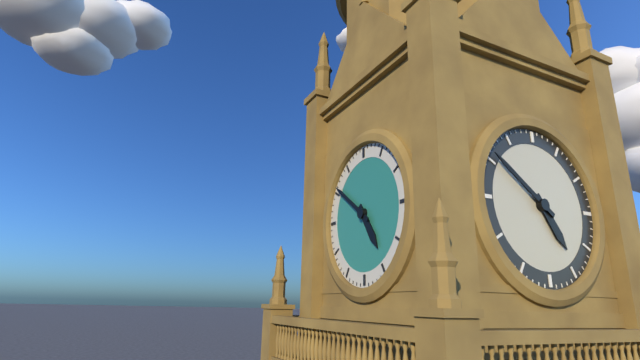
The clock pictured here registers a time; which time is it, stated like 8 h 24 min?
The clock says 4 h 51 min
